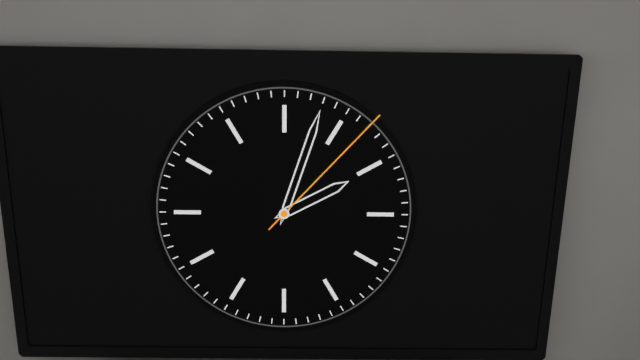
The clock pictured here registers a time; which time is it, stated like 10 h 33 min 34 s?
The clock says 2 h 03 min 07 s
